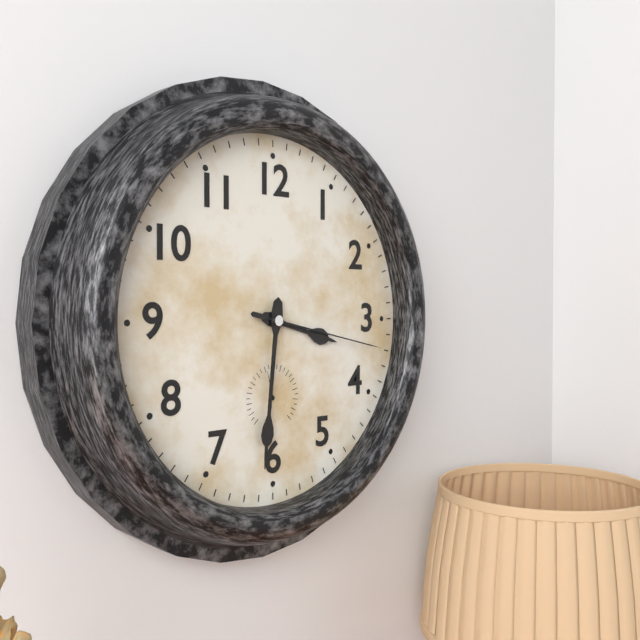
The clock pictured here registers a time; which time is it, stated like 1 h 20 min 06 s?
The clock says 3 h 31 min 17 s
